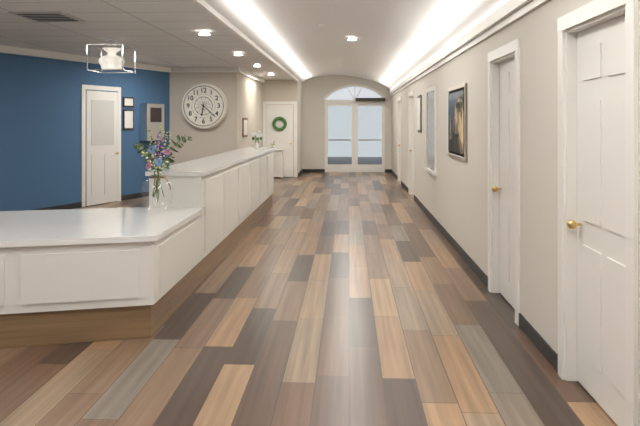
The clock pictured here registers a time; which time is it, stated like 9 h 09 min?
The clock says 6 h 22 min
